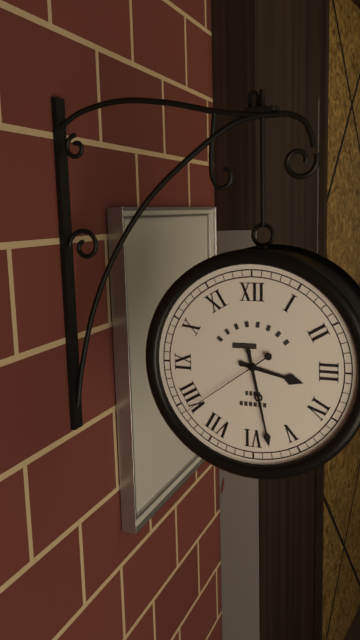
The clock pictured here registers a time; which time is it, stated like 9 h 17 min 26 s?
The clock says 3 h 28 min 39 s
